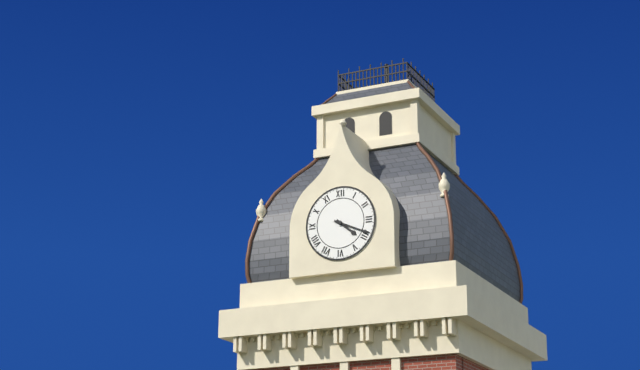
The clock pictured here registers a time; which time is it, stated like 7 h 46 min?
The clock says 4 h 19 min
